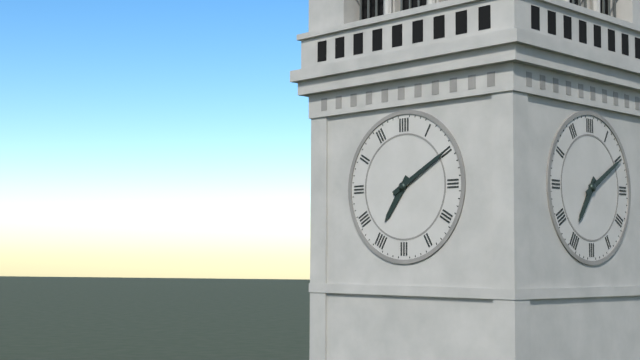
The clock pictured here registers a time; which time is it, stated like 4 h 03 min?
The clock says 7 h 10 min
